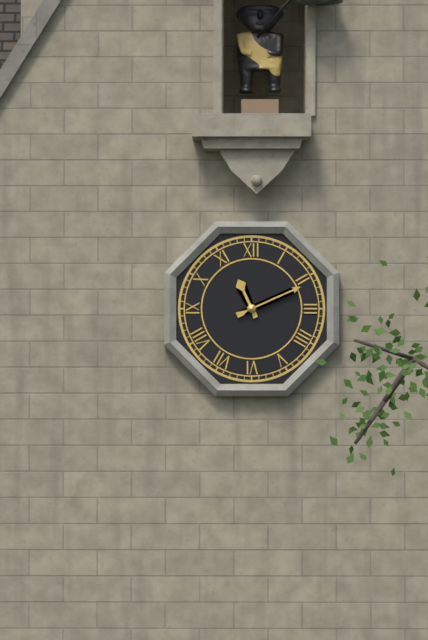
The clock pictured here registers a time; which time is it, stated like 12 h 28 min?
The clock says 11 h 11 min
